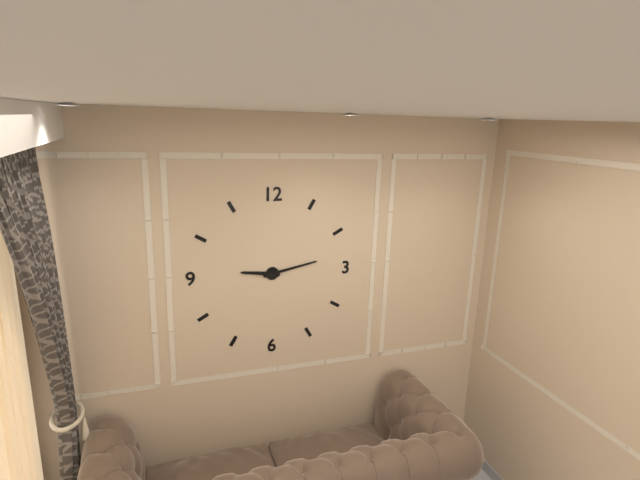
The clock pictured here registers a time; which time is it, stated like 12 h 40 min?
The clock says 9 h 13 min
